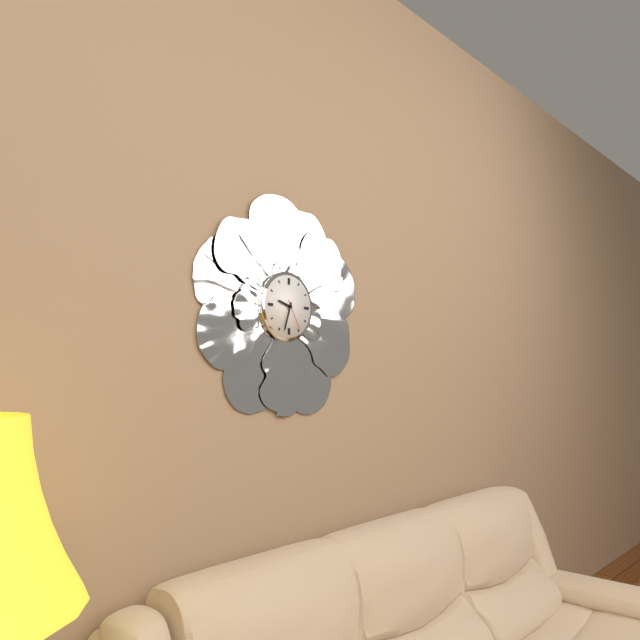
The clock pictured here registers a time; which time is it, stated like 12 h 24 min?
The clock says 9 h 33 min
